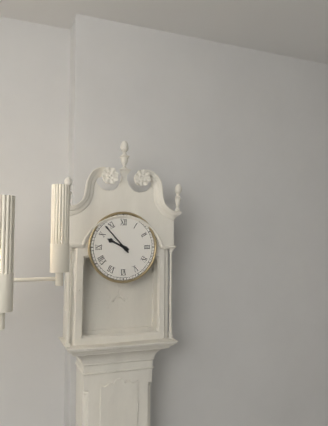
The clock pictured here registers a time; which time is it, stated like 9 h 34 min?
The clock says 9 h 53 min
